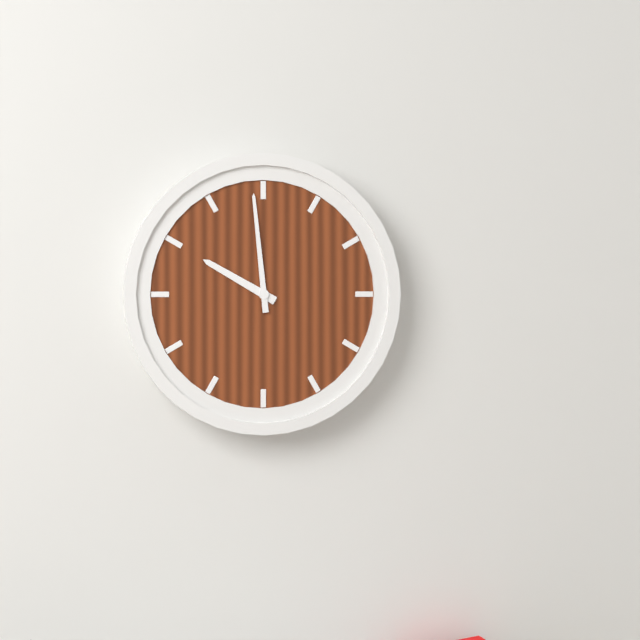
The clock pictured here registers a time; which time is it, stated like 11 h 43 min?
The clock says 9 h 59 min
